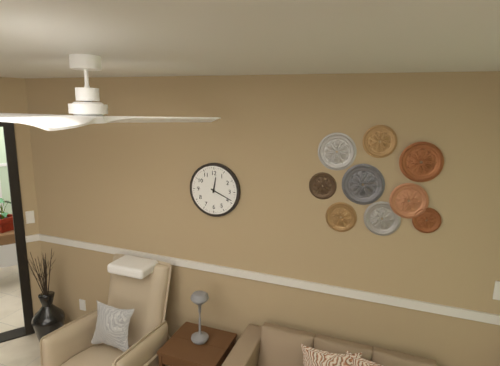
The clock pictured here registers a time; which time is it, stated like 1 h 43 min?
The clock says 12 h 19 min
